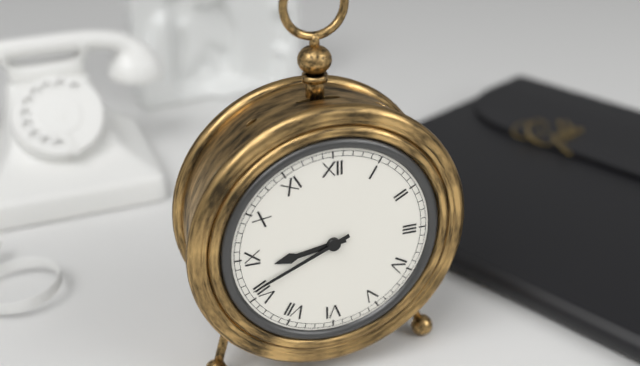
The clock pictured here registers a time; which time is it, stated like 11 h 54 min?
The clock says 8 h 41 min
